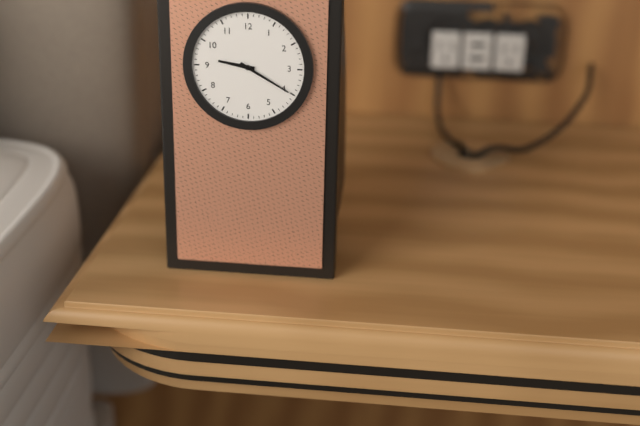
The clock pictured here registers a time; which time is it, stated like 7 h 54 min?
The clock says 9 h 20 min
